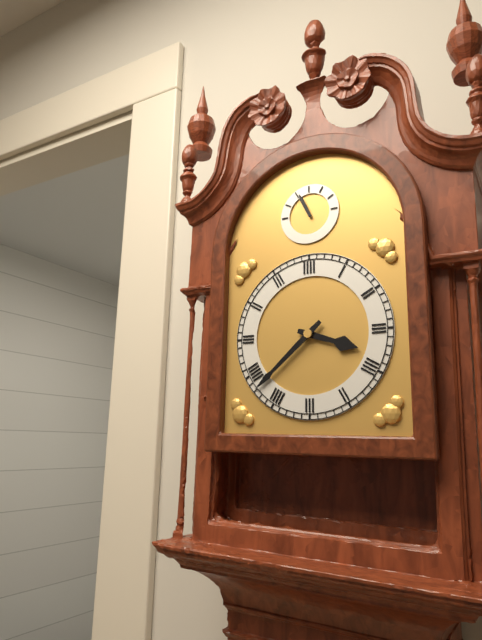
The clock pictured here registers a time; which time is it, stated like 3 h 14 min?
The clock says 3 h 38 min
